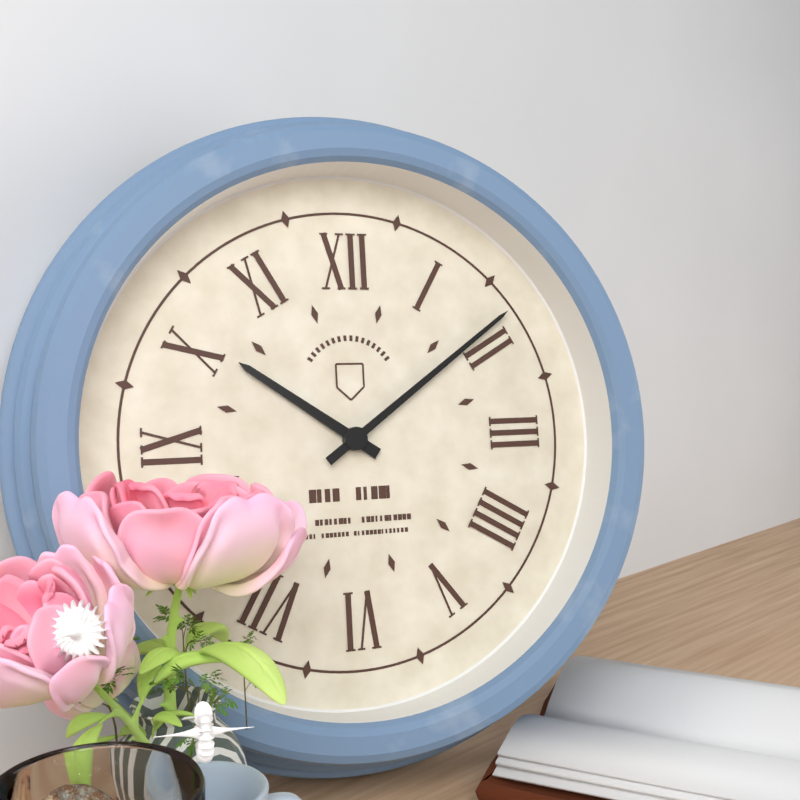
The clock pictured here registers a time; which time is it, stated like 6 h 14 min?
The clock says 10 h 09 min
